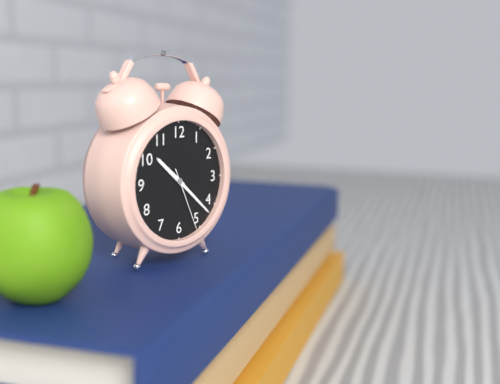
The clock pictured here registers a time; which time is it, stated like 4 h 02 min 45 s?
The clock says 10 h 22 min 26 s
